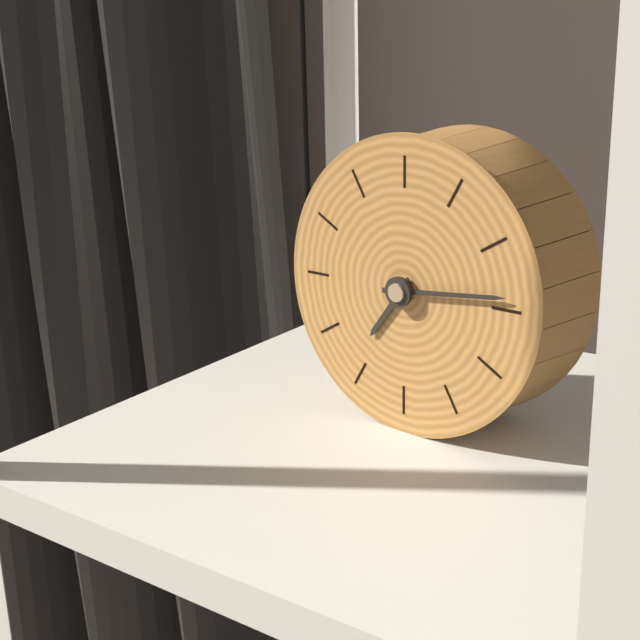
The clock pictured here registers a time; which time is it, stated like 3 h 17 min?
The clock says 7 h 14 min
